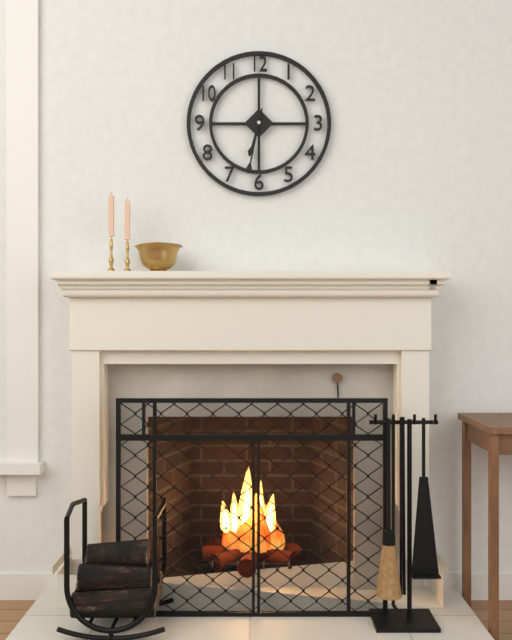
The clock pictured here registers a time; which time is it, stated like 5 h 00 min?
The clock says 6 h 32 min
